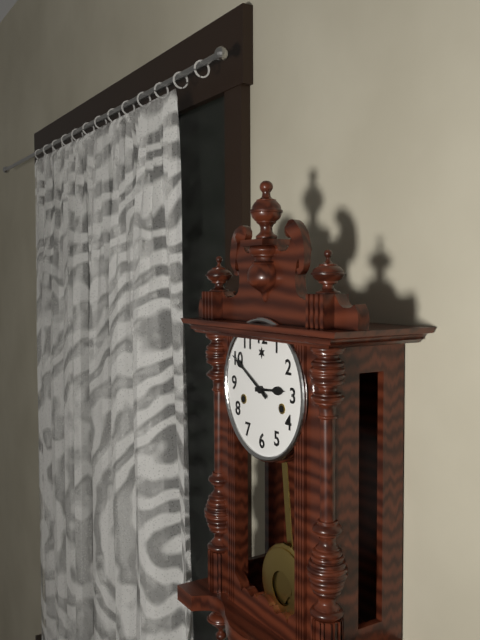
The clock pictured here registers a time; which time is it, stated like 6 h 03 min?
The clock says 2 h 50 min
